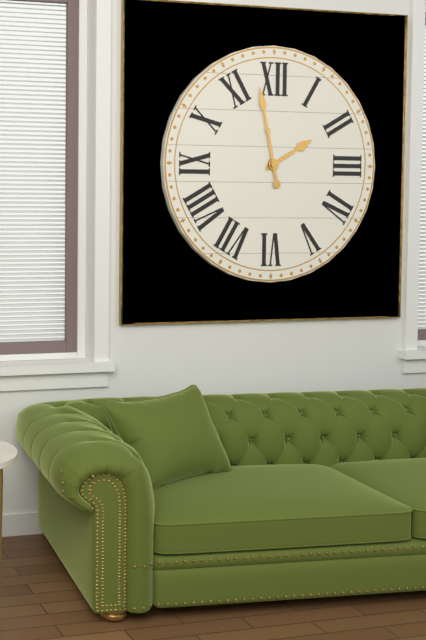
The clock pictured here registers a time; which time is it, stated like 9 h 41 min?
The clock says 1 h 58 min
